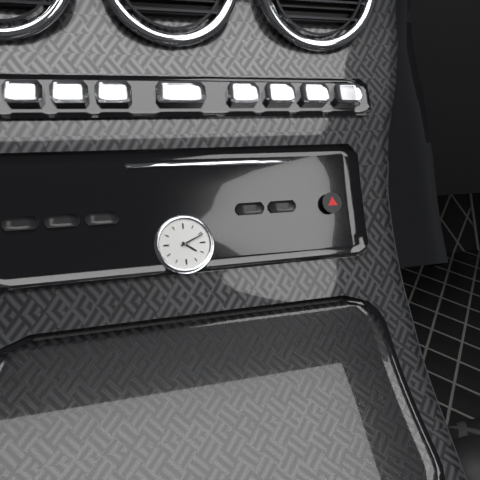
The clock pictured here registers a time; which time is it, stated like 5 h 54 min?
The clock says 4 h 11 min
